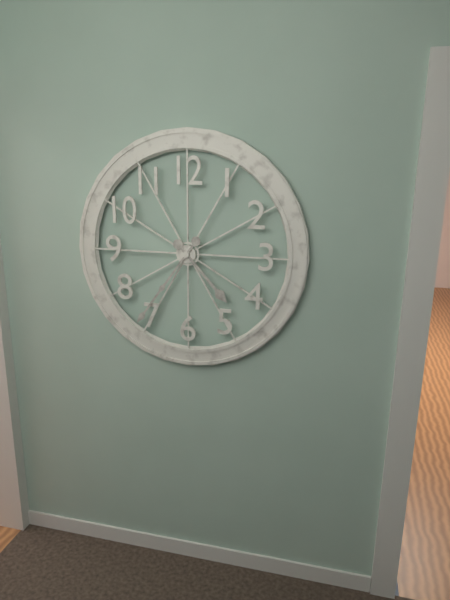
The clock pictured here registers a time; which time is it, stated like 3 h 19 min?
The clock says 4 h 36 min
